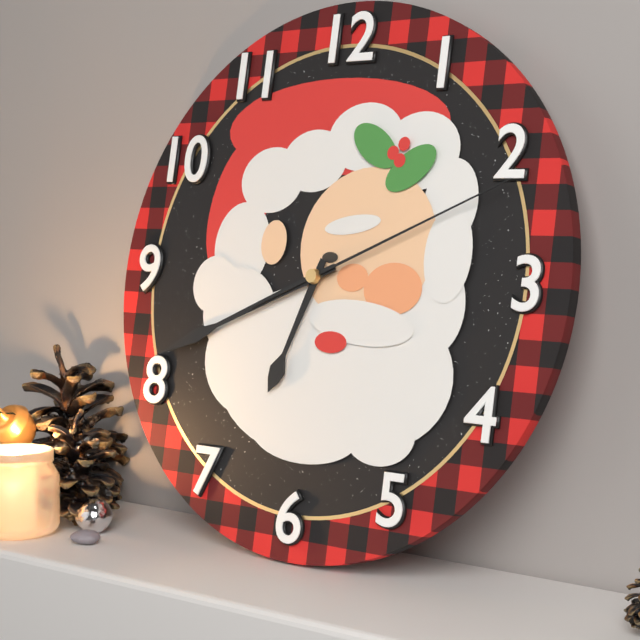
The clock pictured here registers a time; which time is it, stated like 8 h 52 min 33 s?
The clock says 6 h 41 min 11 s
